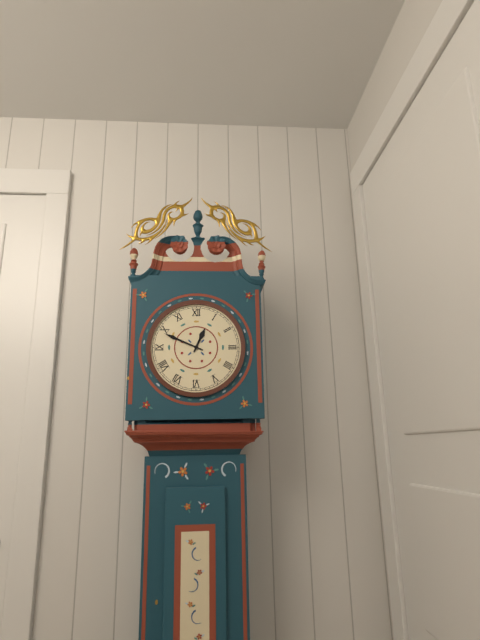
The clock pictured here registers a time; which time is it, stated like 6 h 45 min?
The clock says 12 h 49 min
